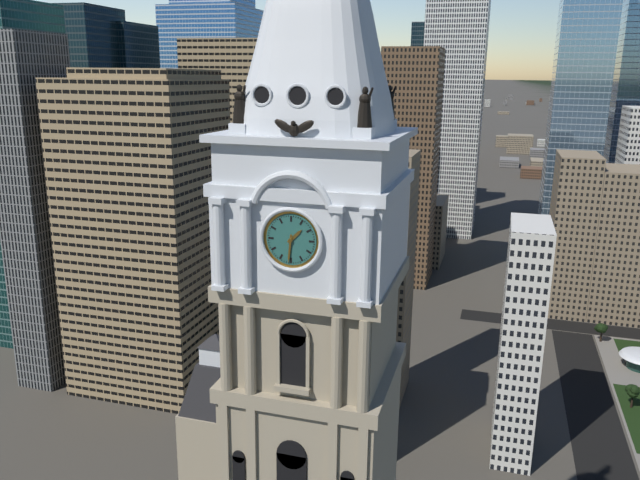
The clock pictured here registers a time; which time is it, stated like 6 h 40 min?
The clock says 1 h 31 min
